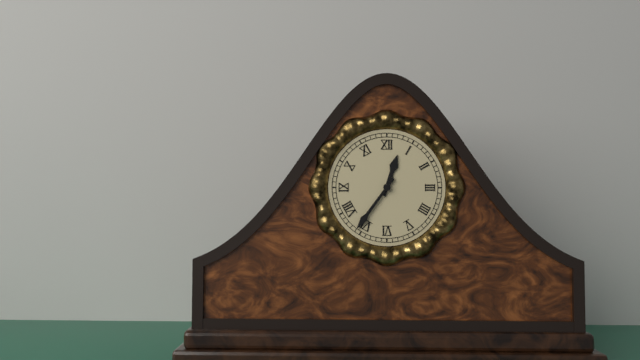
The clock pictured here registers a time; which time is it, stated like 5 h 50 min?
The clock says 12 h 36 min
